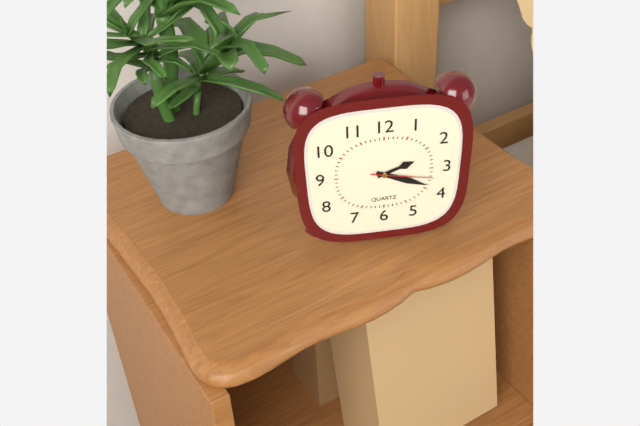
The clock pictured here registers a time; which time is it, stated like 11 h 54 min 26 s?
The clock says 2 h 19 min 17 s
